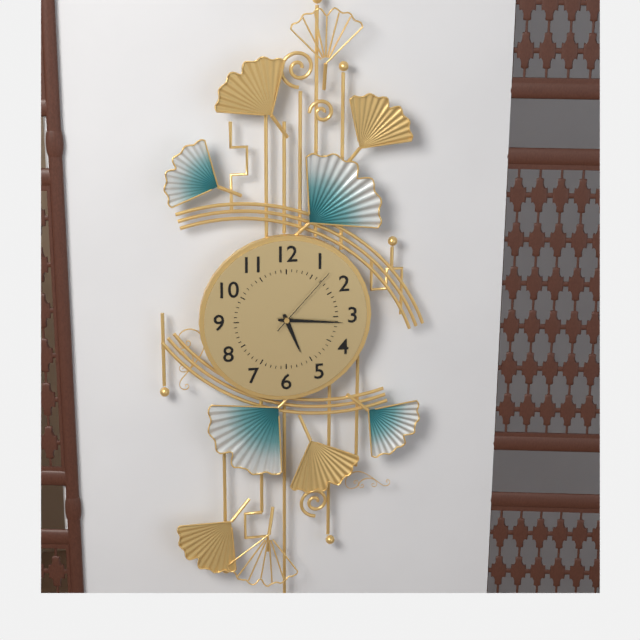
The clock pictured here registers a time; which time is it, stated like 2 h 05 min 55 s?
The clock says 5 h 16 min 07 s
